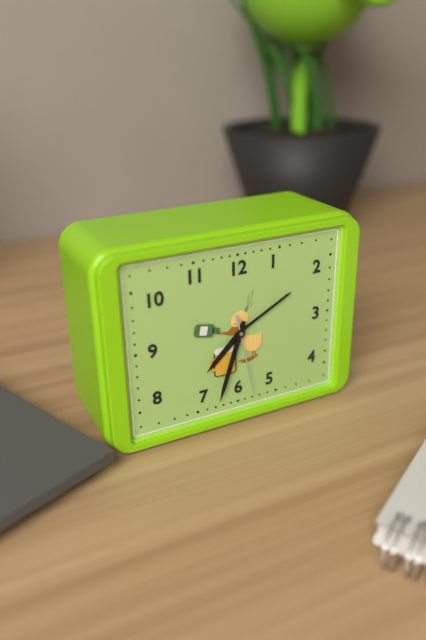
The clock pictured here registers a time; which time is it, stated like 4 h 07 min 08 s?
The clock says 7 h 33 min 28 s
